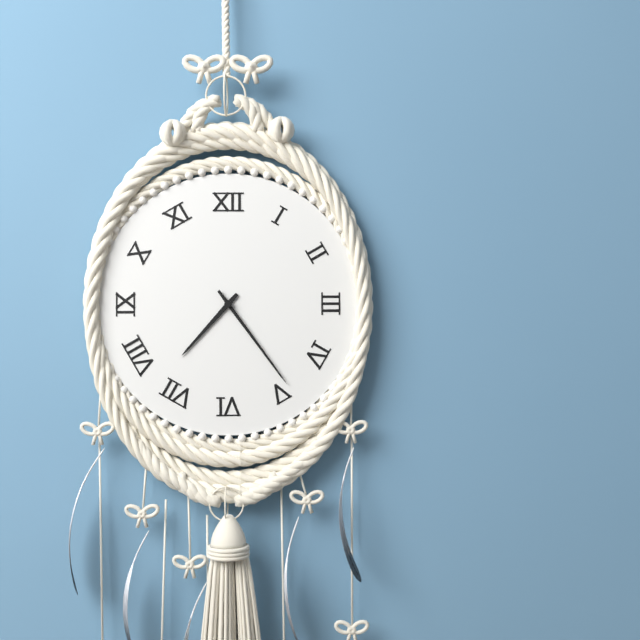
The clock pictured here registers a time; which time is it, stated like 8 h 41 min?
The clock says 7 h 24 min
